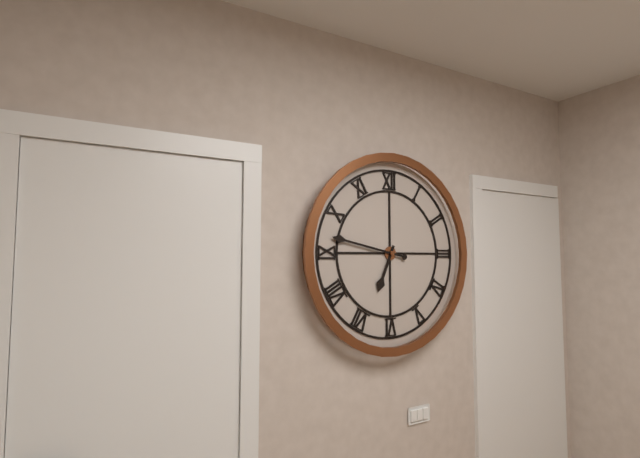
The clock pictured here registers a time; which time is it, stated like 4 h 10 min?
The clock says 6 h 47 min
